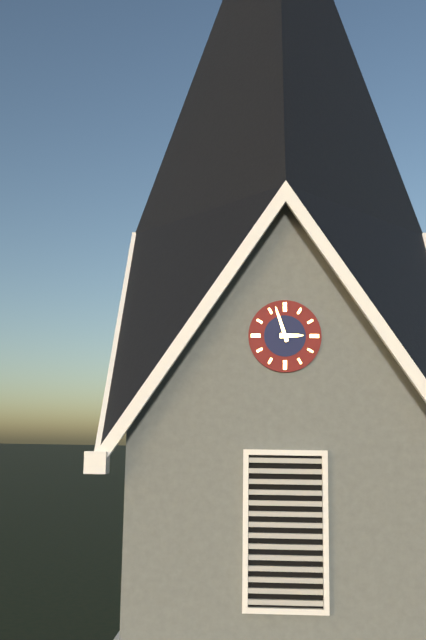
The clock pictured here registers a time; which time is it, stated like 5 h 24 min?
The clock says 2 h 57 min
